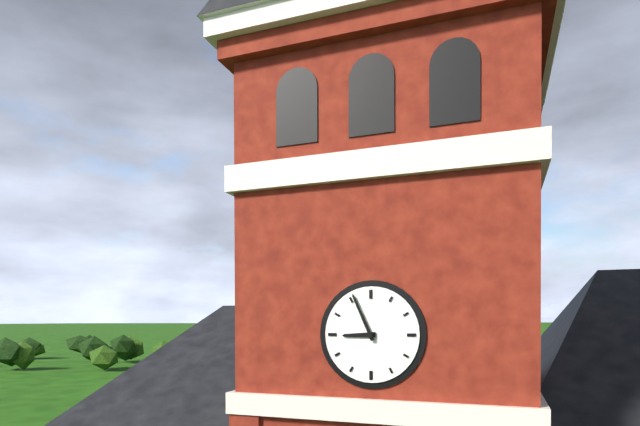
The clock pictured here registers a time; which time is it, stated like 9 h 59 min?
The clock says 8 h 56 min
